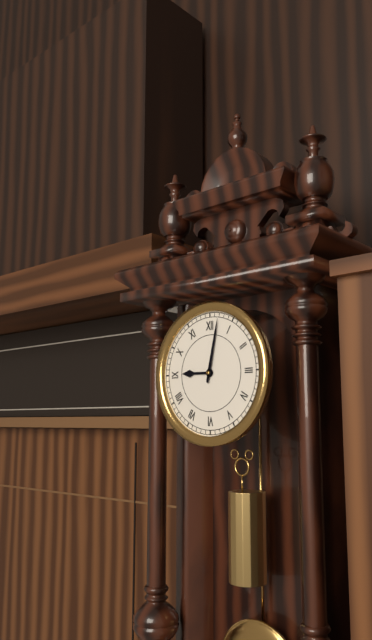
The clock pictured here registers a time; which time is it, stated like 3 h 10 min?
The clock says 9 h 02 min
